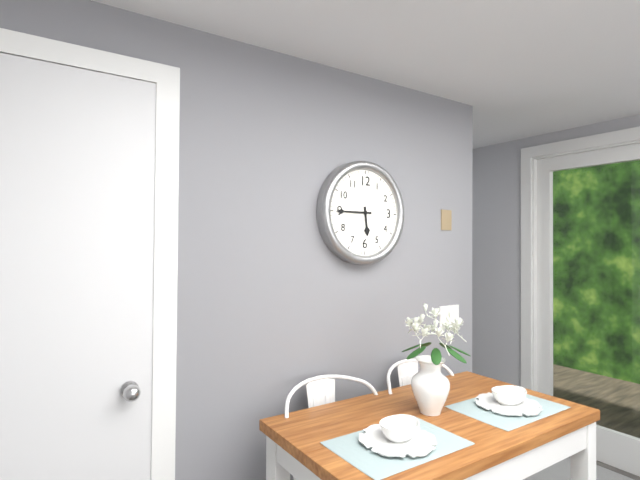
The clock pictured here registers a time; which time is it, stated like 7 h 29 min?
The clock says 5 h 45 min
